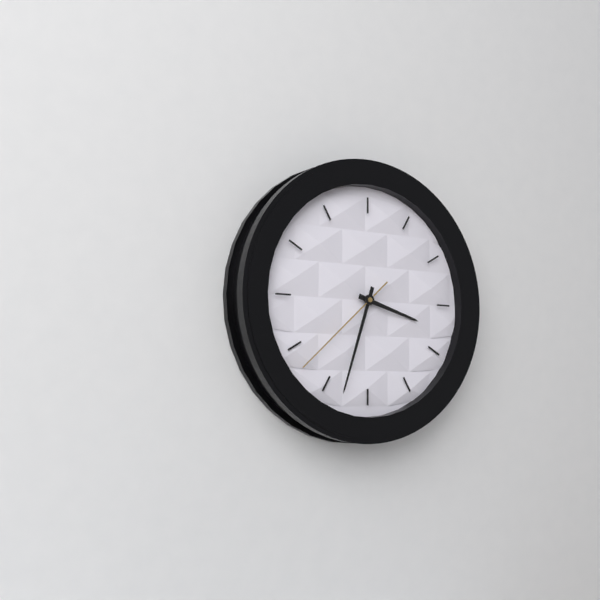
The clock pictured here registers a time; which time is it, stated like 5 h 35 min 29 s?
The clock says 3 h 33 min 38 s
